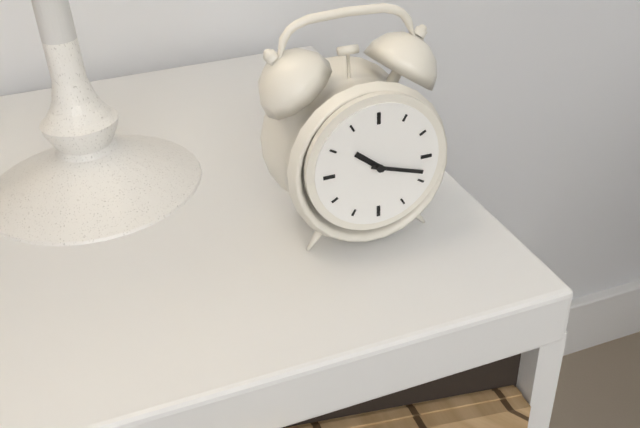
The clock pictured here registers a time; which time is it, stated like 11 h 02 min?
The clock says 10 h 18 min
